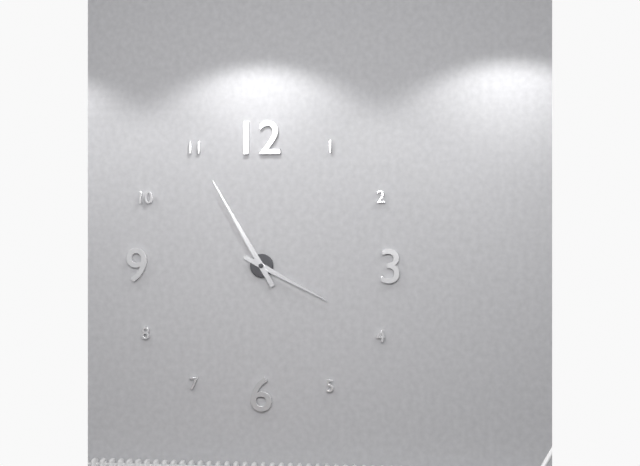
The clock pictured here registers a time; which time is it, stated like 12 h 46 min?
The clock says 3 h 55 min
